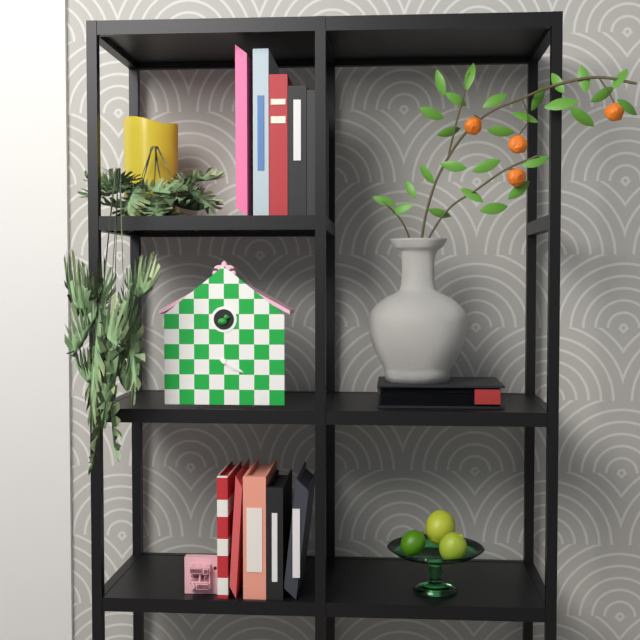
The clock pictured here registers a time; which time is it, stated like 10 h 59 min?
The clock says 4 h 20 min
